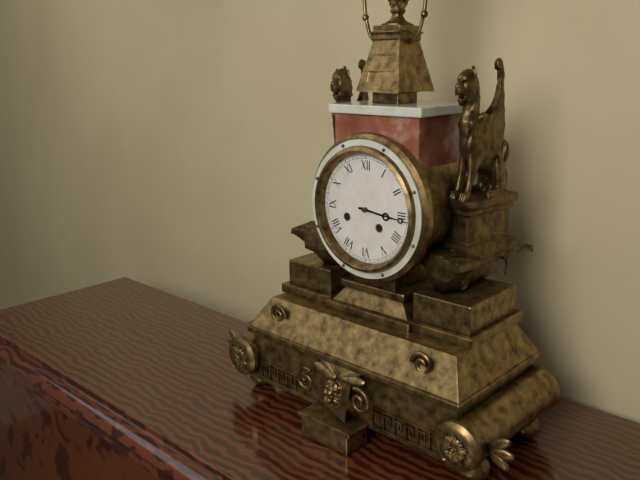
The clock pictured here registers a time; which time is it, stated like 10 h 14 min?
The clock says 3 h 16 min
